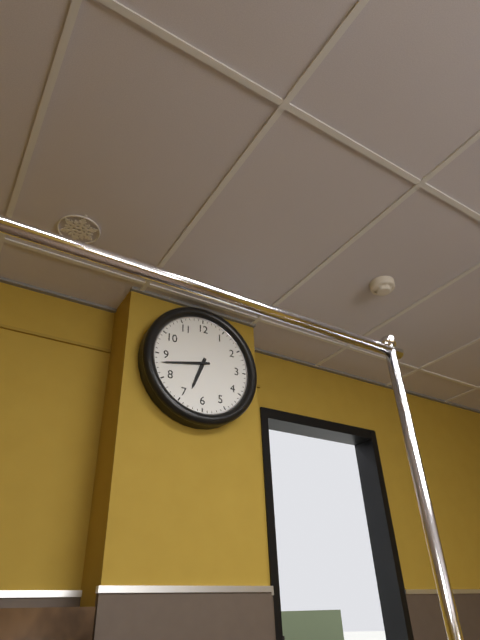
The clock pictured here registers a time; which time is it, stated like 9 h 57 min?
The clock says 6 h 43 min
